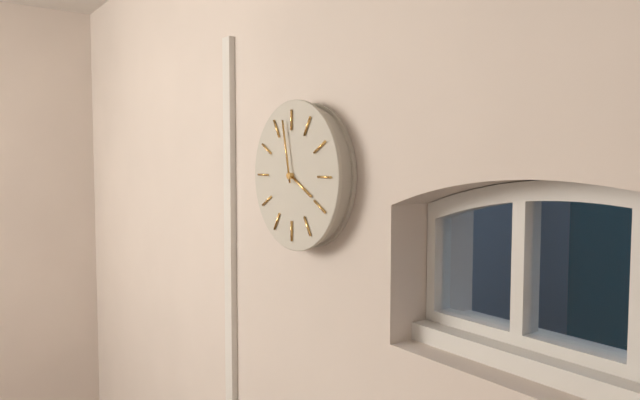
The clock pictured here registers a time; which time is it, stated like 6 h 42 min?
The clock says 3 h 58 min
